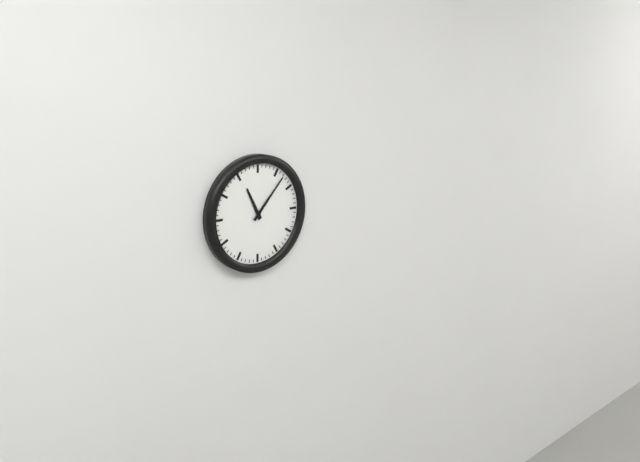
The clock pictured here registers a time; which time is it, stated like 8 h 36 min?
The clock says 11 h 07 min
